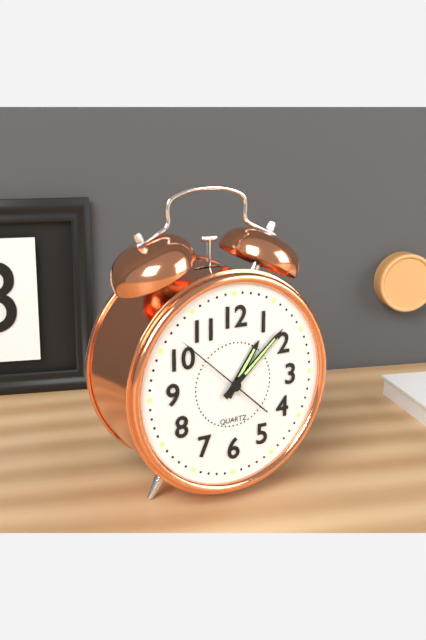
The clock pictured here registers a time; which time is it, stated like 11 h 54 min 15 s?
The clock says 1 h 08 min 52 s
